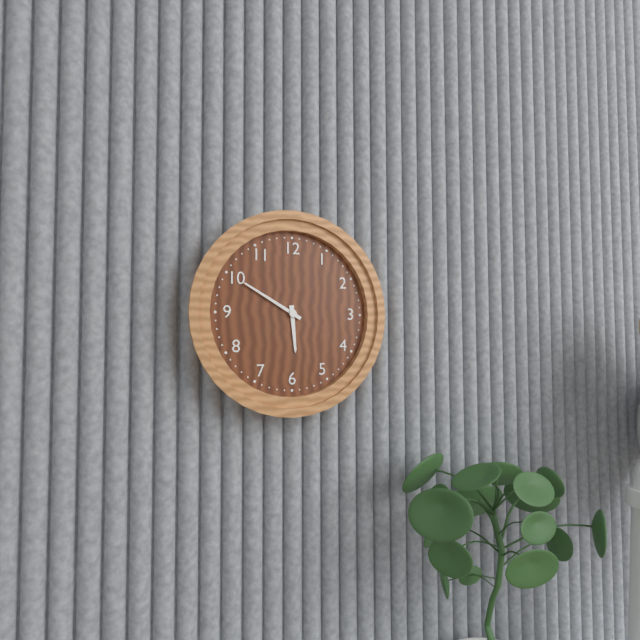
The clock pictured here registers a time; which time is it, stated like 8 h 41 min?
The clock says 5 h 50 min
